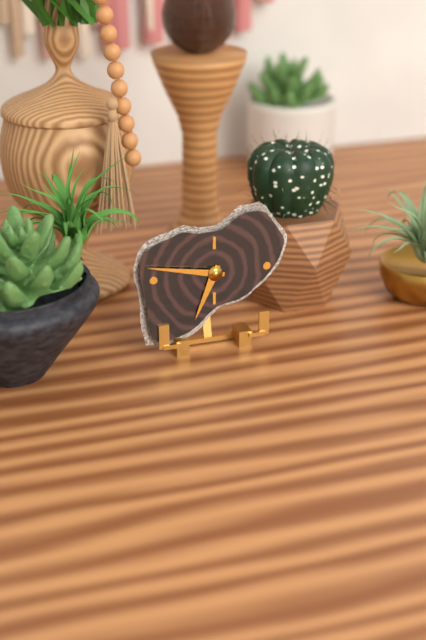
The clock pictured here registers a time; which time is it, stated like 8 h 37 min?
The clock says 6 h 47 min
